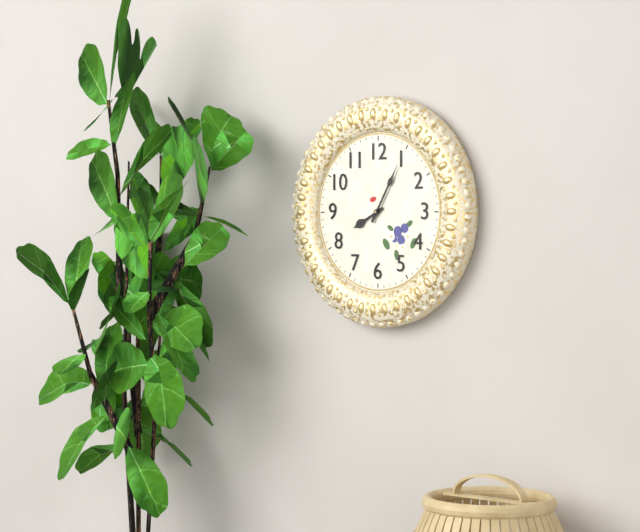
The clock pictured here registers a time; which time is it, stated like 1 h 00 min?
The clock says 8 h 05 min
